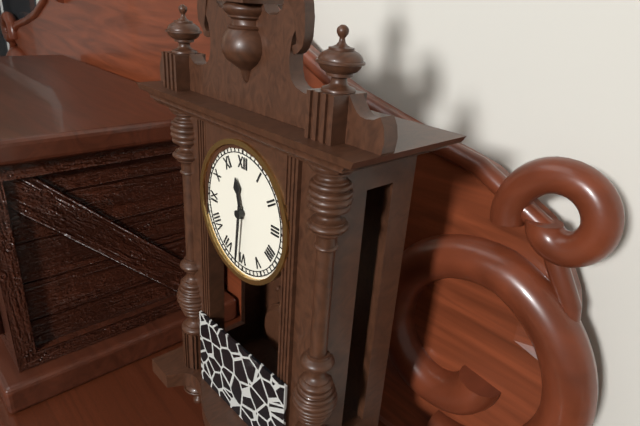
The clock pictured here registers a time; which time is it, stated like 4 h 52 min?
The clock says 11 h 31 min
